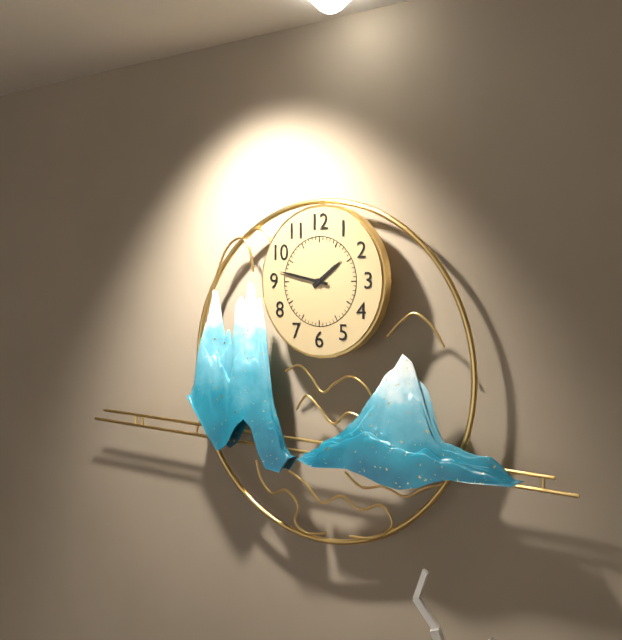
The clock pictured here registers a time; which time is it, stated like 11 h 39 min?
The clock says 1 h 47 min
